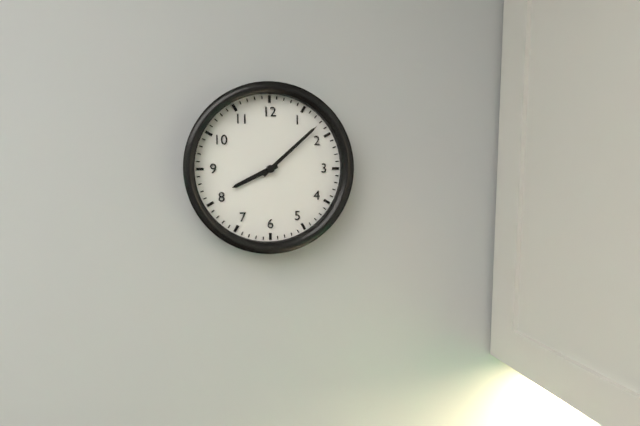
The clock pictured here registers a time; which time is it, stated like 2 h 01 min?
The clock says 8 h 08 min
